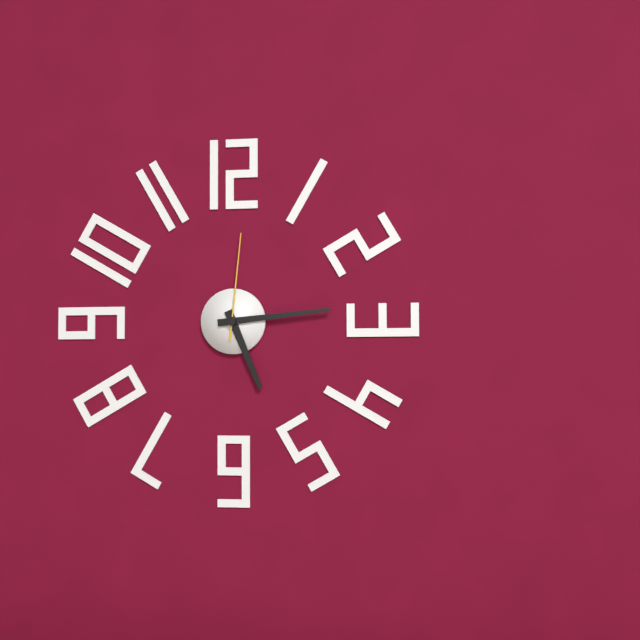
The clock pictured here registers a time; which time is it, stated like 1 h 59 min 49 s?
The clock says 5 h 14 min 01 s
